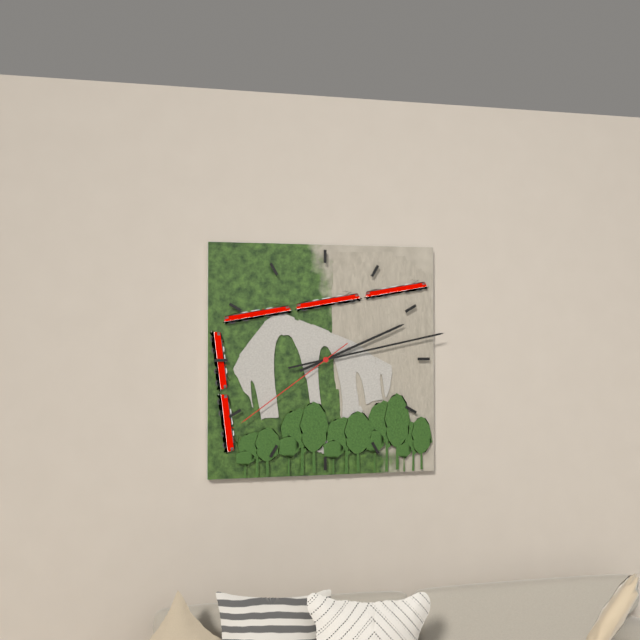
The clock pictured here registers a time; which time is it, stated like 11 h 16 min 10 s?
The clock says 2 h 13 min 39 s
